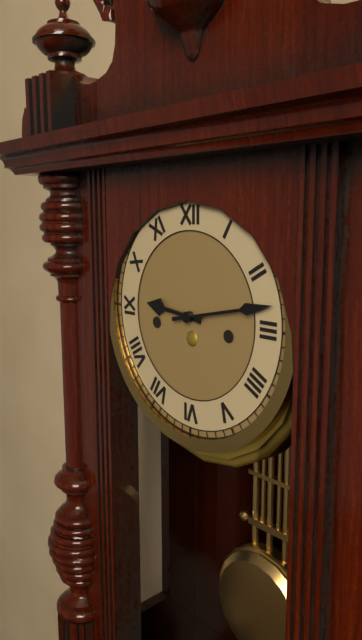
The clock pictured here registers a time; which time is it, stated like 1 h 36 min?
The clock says 9 h 13 min
